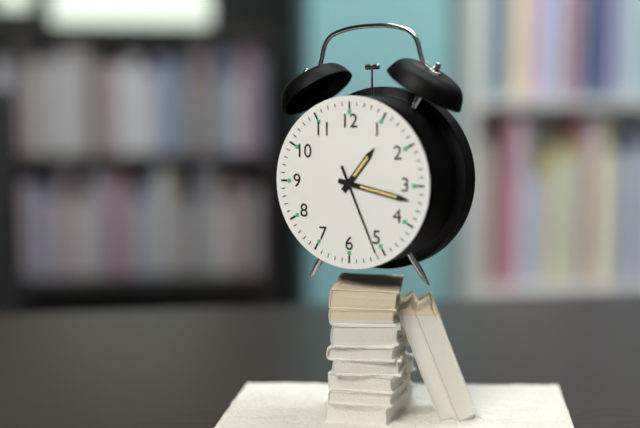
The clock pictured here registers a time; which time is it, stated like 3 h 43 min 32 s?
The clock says 1 h 17 min 26 s
